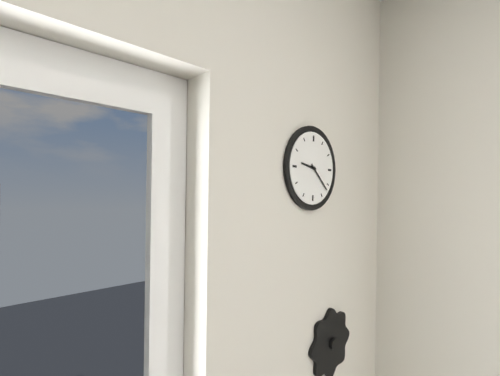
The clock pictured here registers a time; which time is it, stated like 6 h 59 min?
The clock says 9 h 22 min
